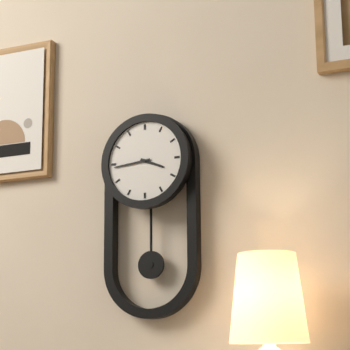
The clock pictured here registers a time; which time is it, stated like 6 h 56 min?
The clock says 3 h 44 min
